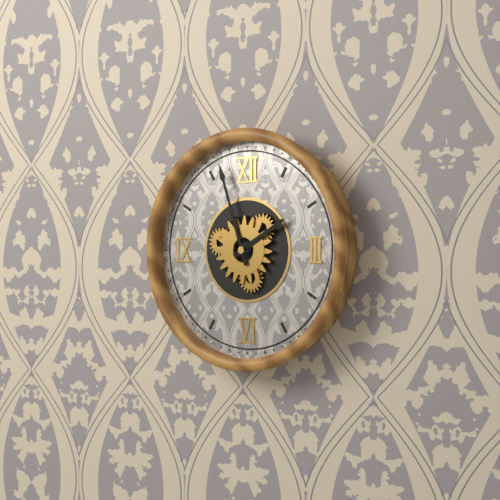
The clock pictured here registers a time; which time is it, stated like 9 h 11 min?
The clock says 1 h 57 min
